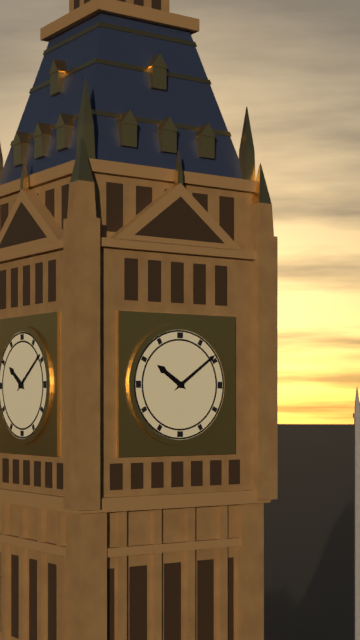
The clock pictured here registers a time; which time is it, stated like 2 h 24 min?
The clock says 10 h 09 min
